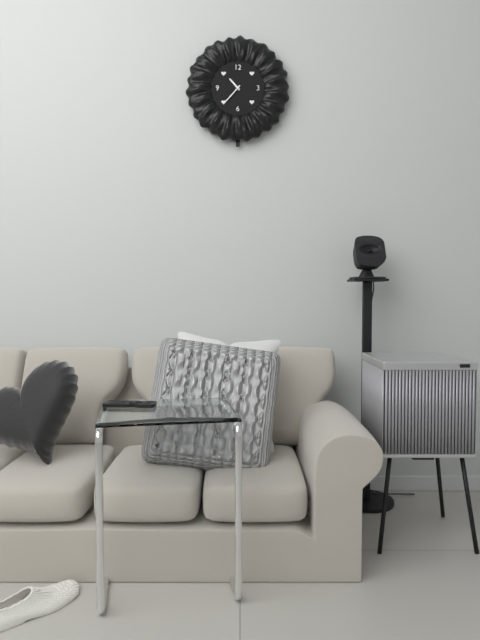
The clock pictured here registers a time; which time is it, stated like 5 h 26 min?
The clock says 10 h 37 min
